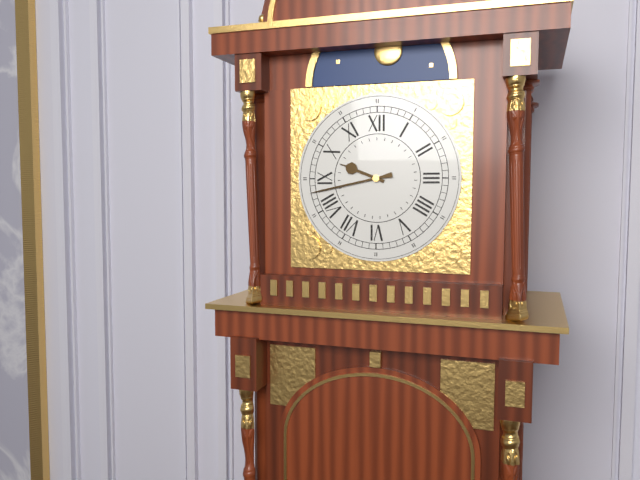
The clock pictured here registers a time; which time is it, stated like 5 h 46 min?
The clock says 9 h 43 min
